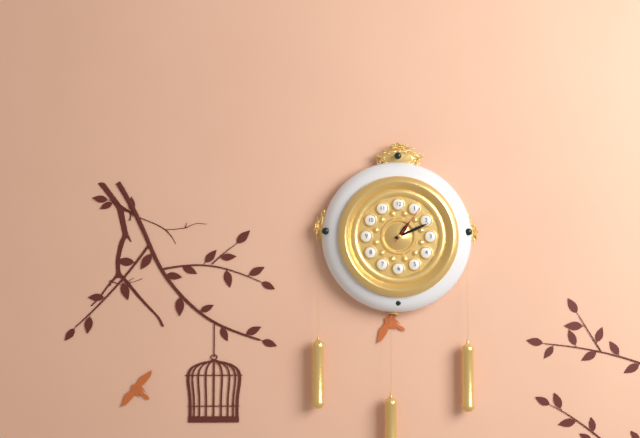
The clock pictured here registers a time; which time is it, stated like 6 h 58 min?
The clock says 1 h 11 min
